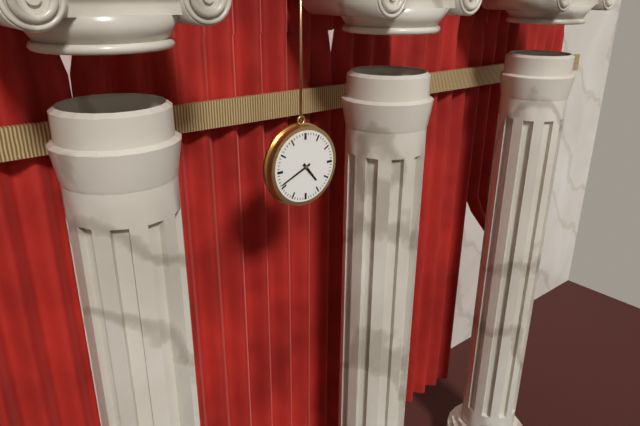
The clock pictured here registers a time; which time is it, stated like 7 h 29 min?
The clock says 4 h 41 min
